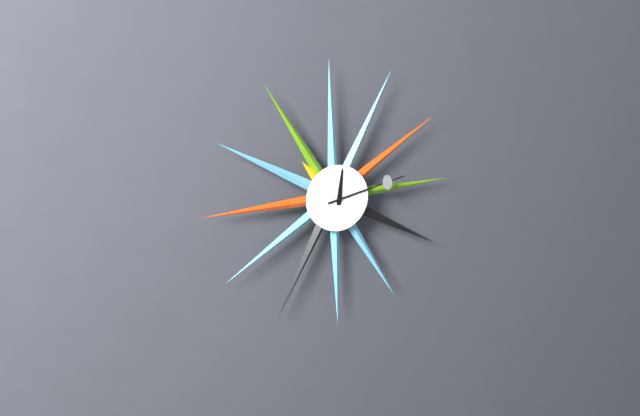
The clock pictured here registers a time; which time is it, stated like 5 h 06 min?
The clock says 12 h 13 min
